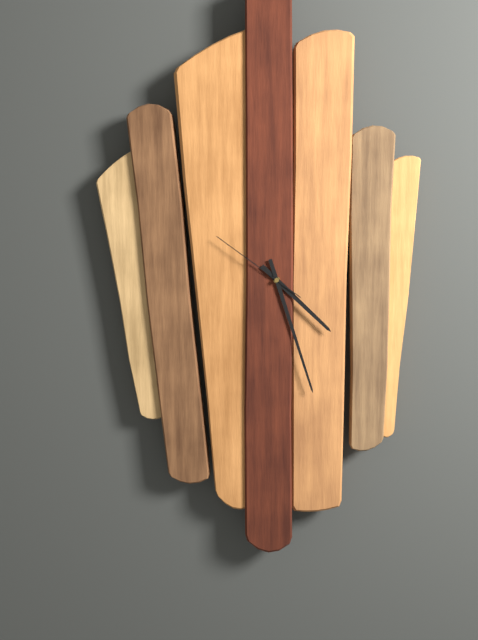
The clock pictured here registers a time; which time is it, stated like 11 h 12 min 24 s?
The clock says 4 h 27 min 51 s
